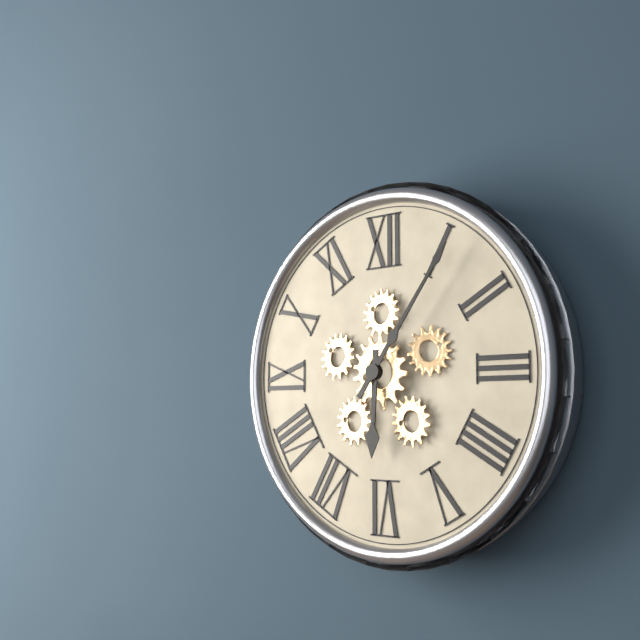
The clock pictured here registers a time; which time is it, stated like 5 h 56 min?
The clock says 6 h 06 min
